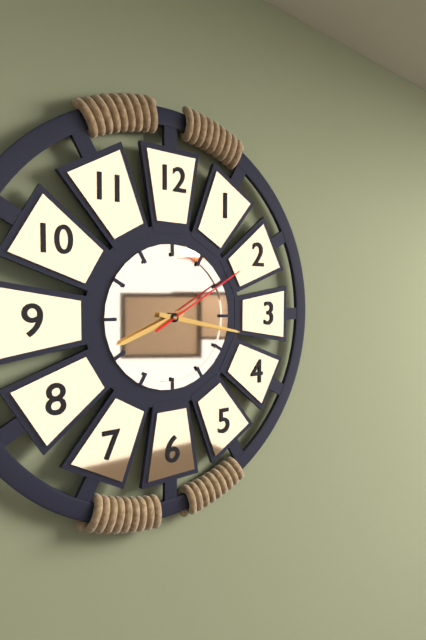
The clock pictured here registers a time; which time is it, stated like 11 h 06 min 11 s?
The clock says 8 h 17 min 10 s
